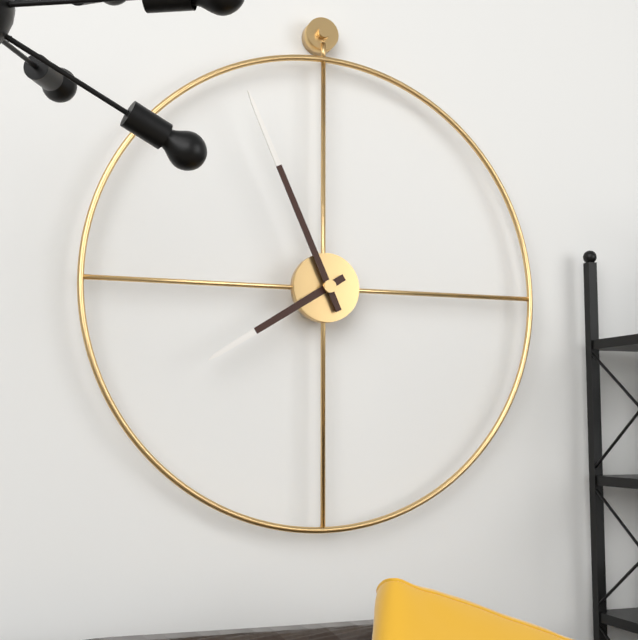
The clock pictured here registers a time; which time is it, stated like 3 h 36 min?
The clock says 7 h 56 min
